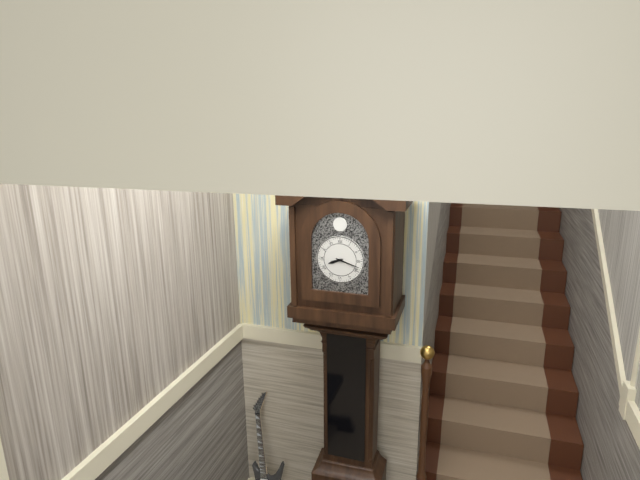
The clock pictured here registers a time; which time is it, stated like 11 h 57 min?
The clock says 8 h 18 min
